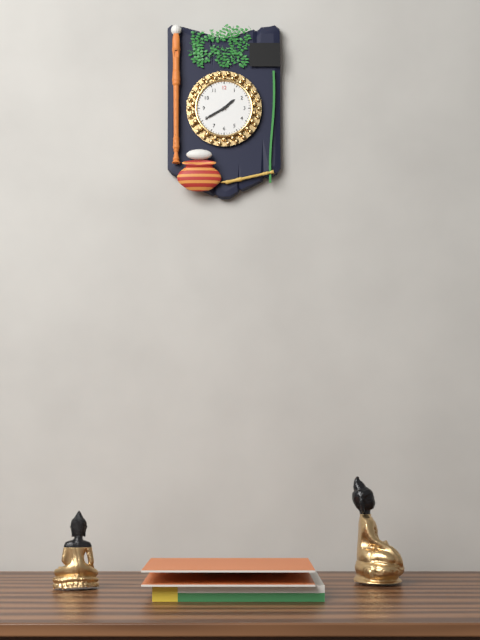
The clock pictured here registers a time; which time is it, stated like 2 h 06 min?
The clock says 1 h 40 min
